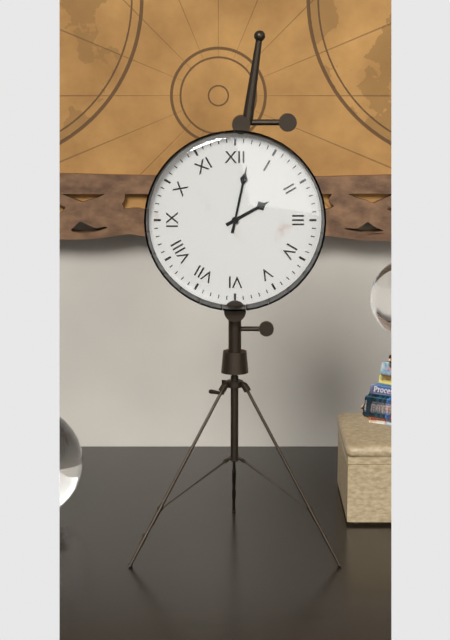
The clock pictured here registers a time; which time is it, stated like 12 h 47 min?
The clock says 2 h 02 min
